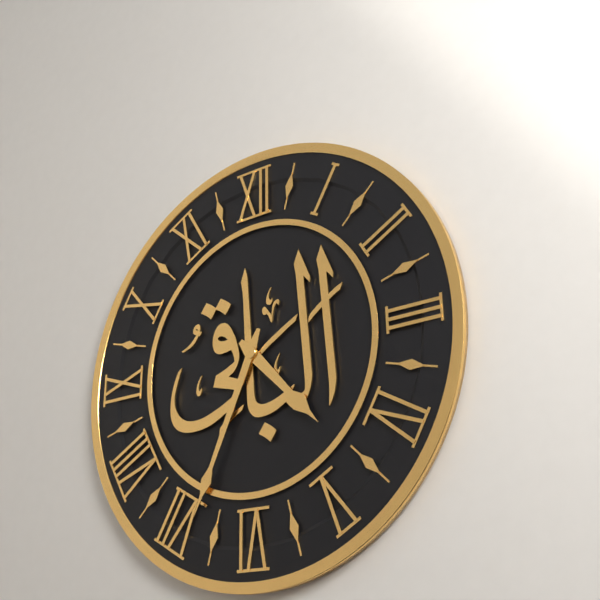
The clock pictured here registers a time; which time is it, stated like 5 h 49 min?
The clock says 4 h 34 min
